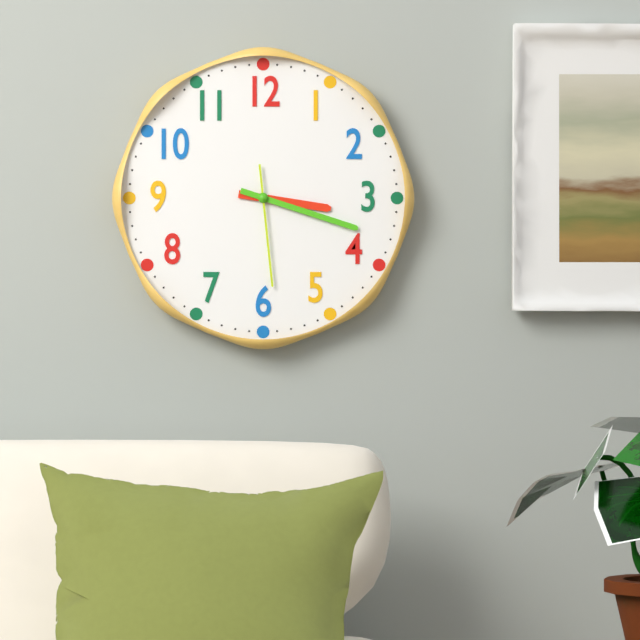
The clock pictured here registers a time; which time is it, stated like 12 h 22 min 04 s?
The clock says 3 h 18 min 29 s
